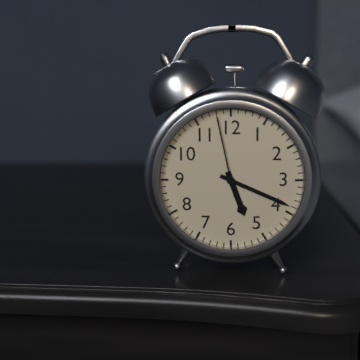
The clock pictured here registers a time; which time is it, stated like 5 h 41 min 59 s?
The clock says 5 h 19 min 58 s
